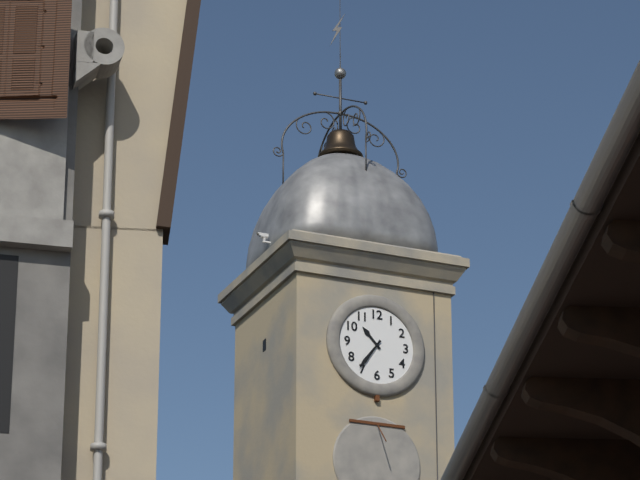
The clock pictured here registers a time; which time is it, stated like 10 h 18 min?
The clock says 10 h 36 min
